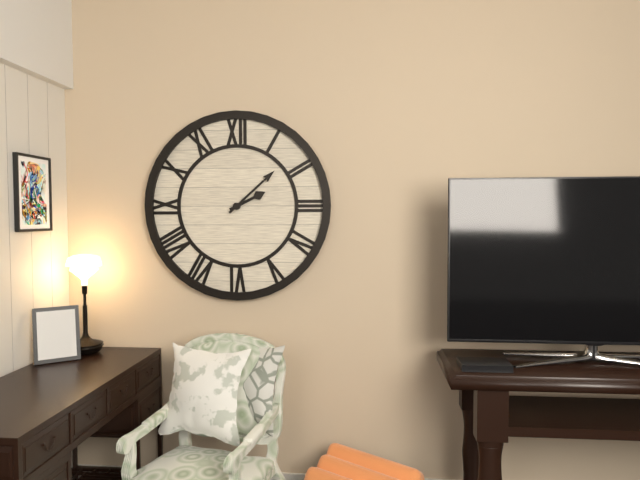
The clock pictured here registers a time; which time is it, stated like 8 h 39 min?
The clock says 2 h 08 min
